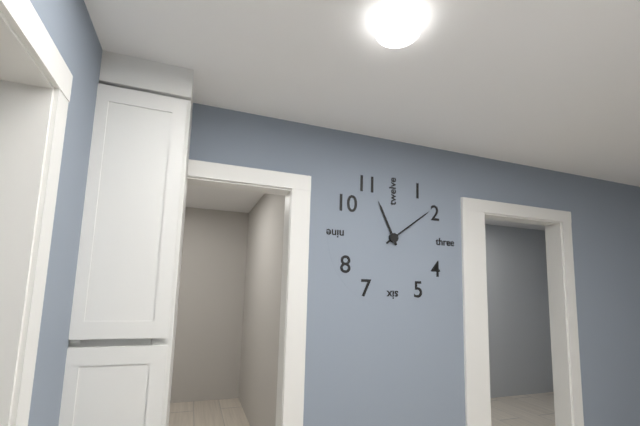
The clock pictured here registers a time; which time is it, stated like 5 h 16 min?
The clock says 11 h 09 min
